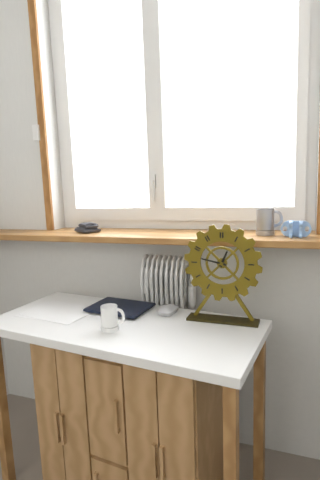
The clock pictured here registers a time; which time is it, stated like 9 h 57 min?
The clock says 12 h 47 min
